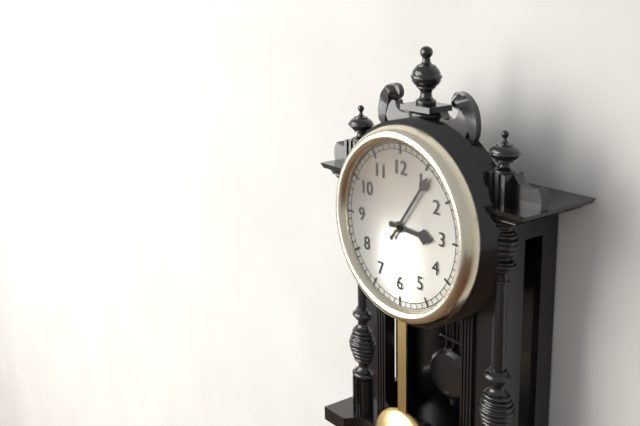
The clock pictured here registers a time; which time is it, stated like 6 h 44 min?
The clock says 3 h 06 min
